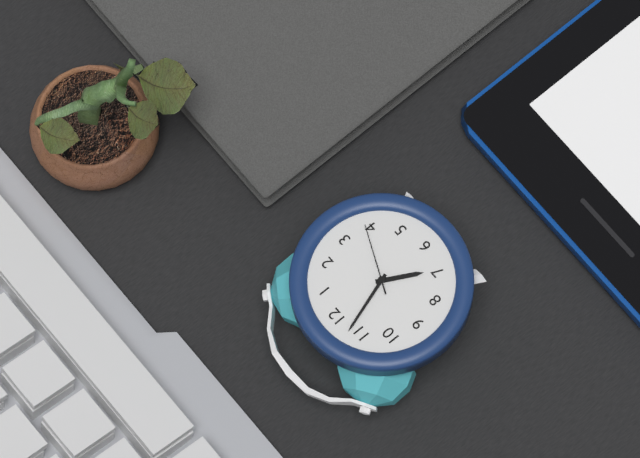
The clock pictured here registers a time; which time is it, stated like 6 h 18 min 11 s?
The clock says 6 h 57 min 19 s
